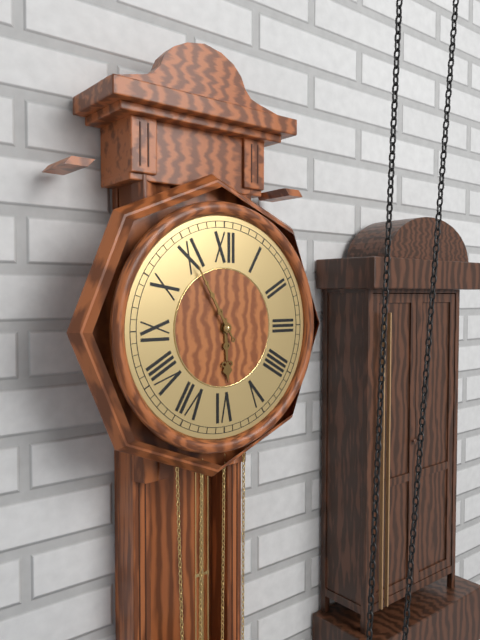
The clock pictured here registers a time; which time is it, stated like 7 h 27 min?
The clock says 5 h 55 min
